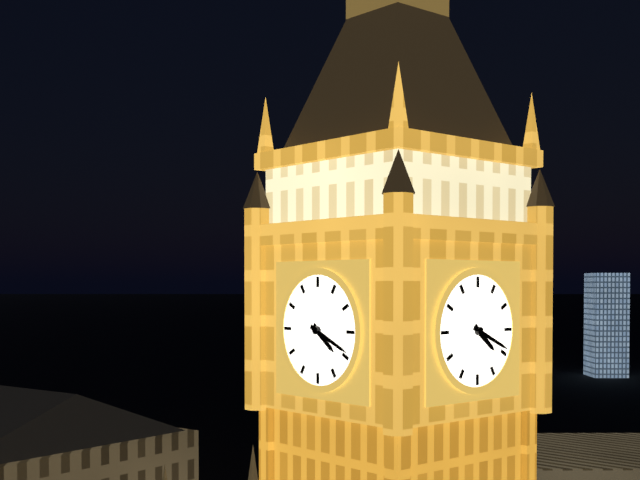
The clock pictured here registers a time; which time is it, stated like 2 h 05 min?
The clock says 4 h 19 min
